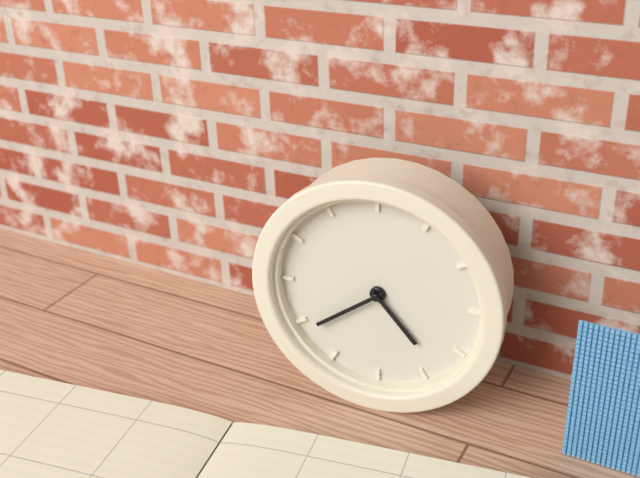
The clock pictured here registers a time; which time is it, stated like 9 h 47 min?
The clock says 4 h 39 min
